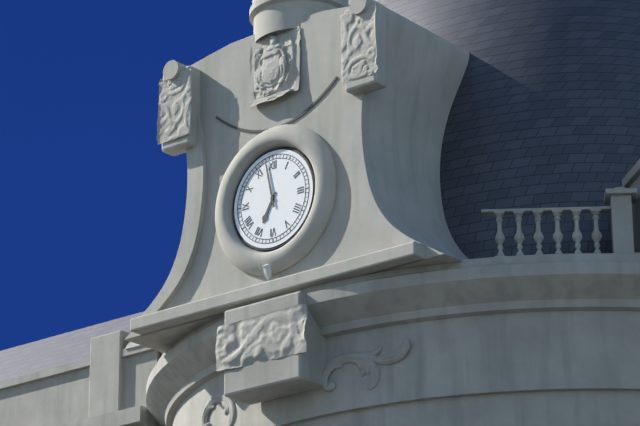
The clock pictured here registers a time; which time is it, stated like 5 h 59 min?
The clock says 6 h 58 min
